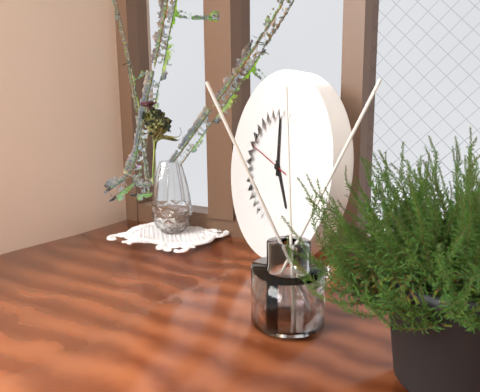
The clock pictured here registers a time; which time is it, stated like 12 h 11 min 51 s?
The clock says 4 h 59 min 48 s
